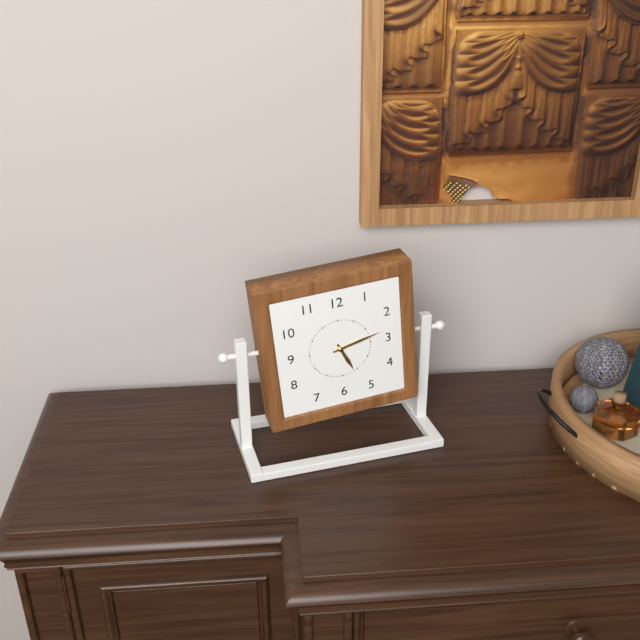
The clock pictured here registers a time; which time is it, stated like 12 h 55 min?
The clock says 5 h 13 min
